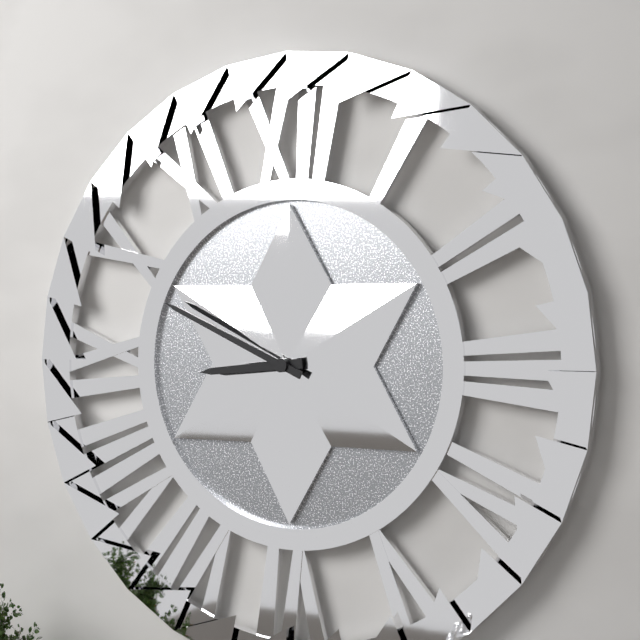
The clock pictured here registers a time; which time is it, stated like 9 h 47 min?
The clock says 8 h 49 min
